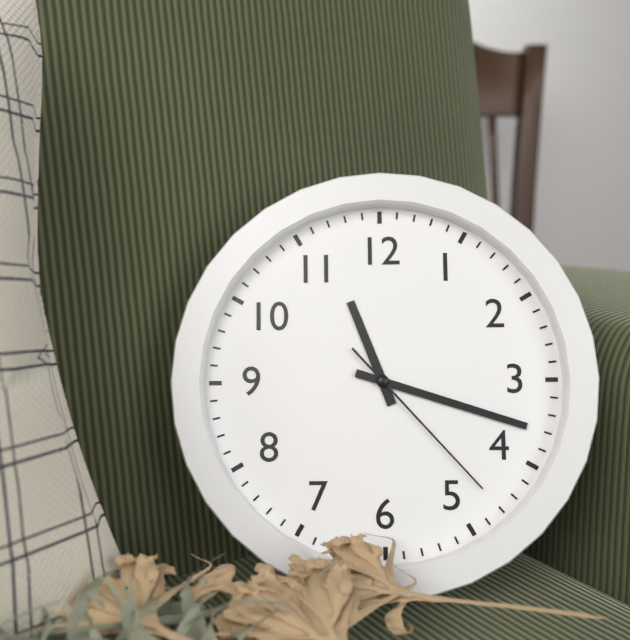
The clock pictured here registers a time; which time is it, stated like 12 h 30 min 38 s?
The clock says 11 h 18 min 23 s
